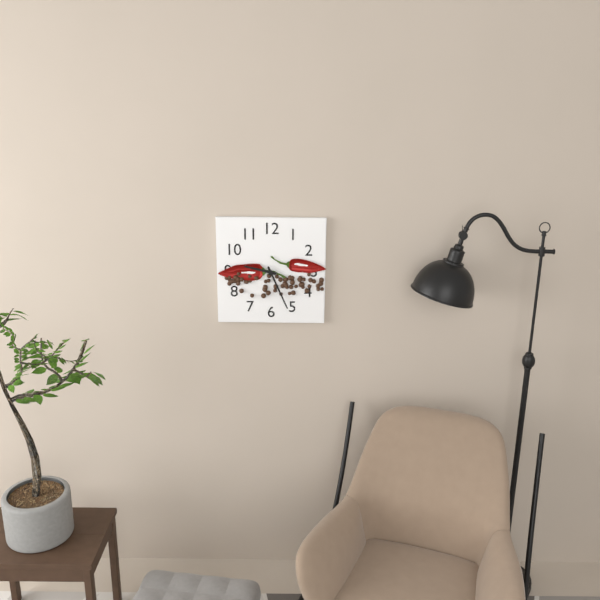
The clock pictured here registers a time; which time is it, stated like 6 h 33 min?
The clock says 9 h 26 min
